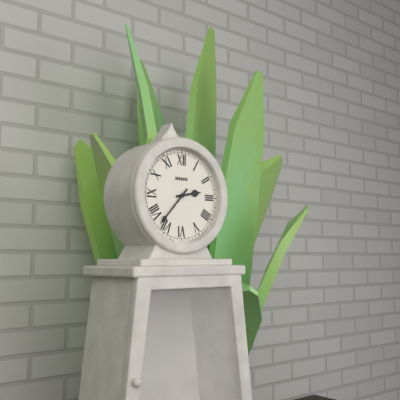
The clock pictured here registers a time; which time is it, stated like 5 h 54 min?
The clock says 2 h 37 min
